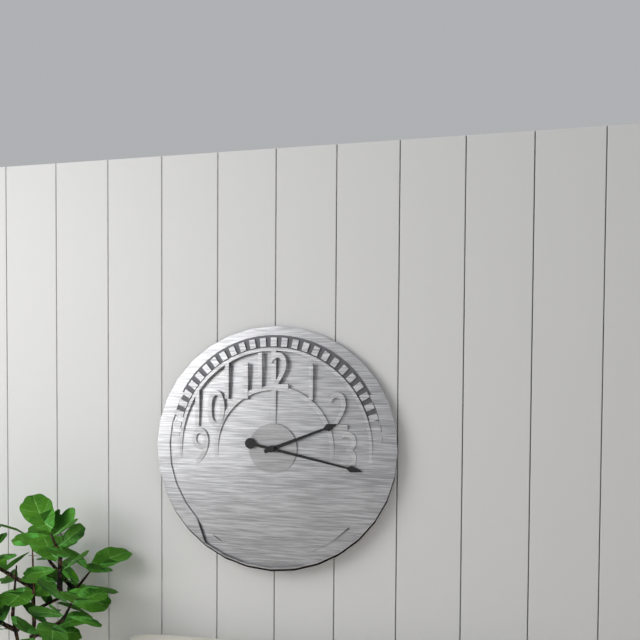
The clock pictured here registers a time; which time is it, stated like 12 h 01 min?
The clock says 2 h 17 min
